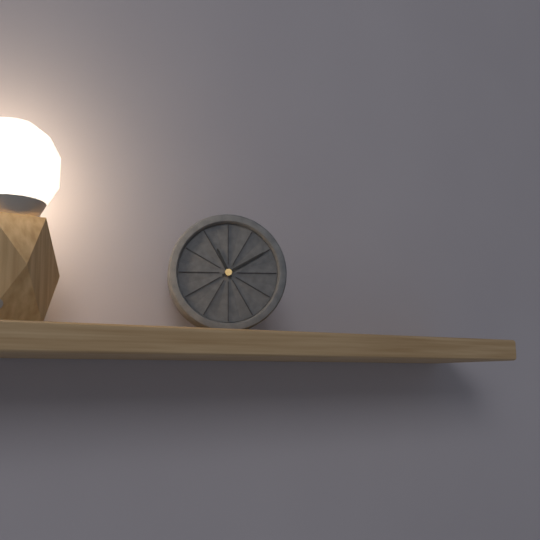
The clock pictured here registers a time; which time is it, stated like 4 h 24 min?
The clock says 11 h 10 min
